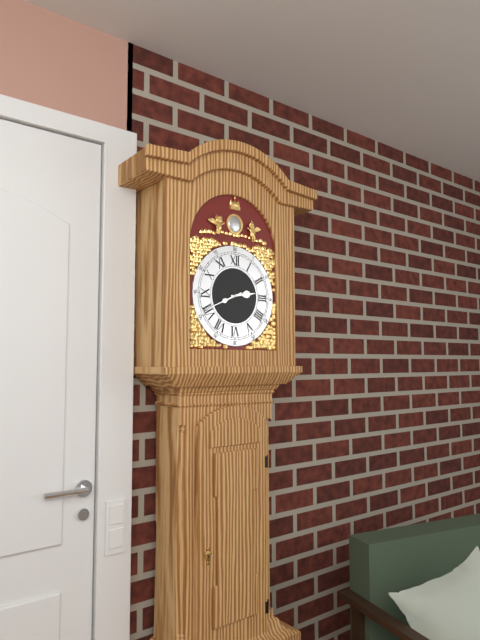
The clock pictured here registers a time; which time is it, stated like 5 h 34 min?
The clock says 2 h 41 min
